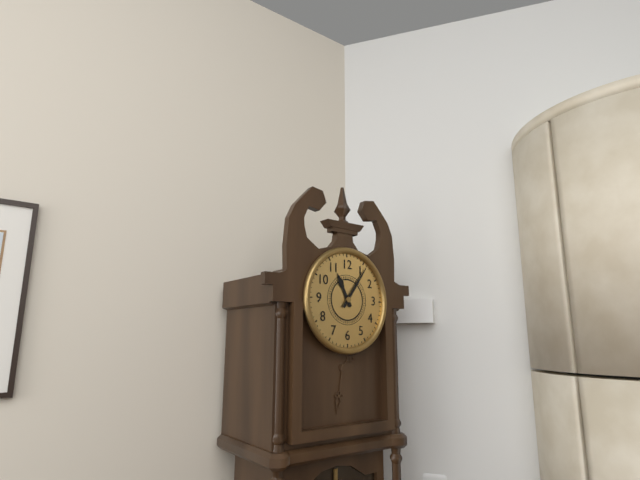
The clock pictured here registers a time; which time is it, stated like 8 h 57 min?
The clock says 11 h 06 min
